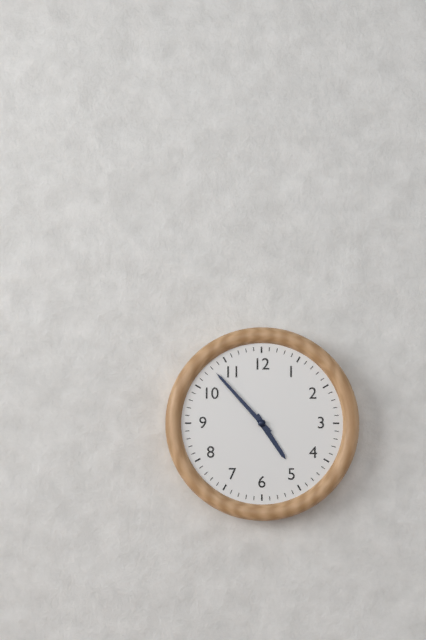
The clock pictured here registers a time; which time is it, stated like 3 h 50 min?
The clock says 4 h 53 min
